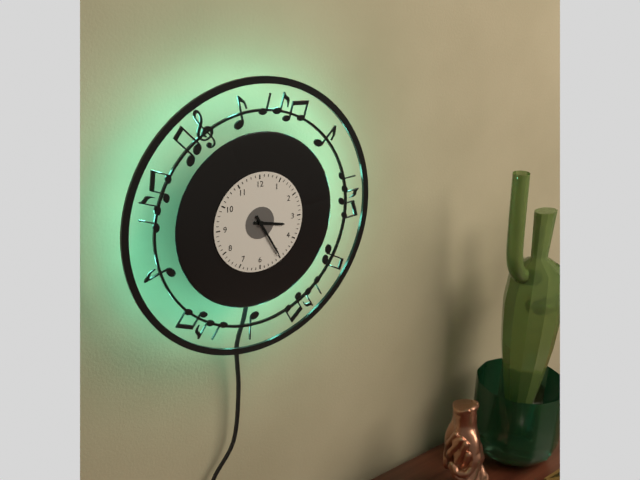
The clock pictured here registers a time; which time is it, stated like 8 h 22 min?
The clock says 3 h 25 min
